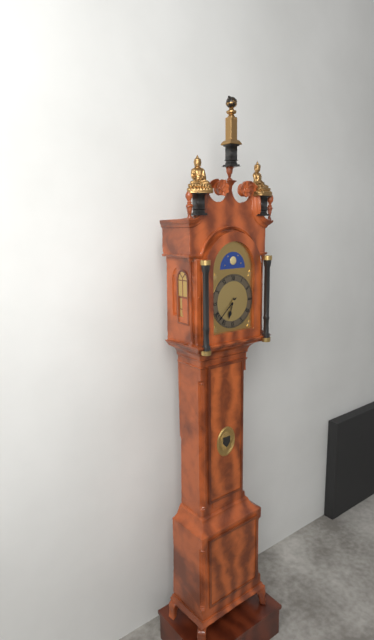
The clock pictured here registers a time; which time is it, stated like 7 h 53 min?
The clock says 6 h 38 min
